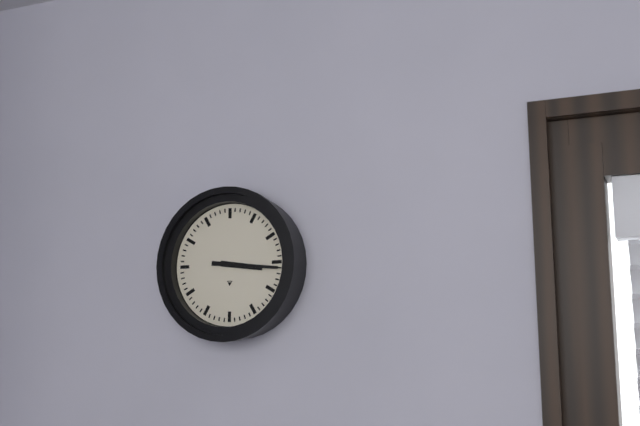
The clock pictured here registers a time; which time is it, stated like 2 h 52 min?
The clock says 3 h 16 min
